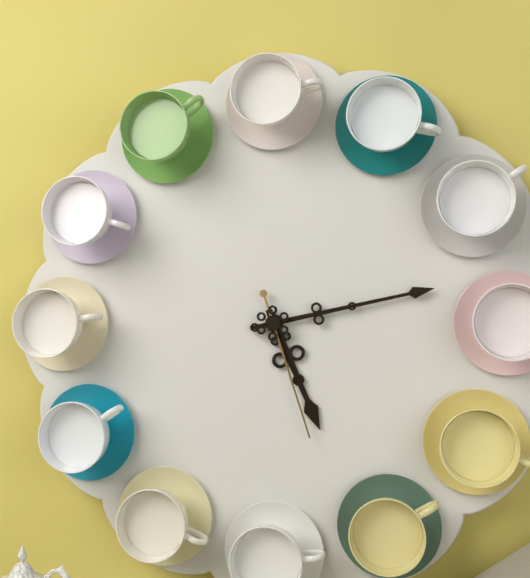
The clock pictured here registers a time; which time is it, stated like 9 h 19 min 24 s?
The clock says 5 h 13 min 27 s
